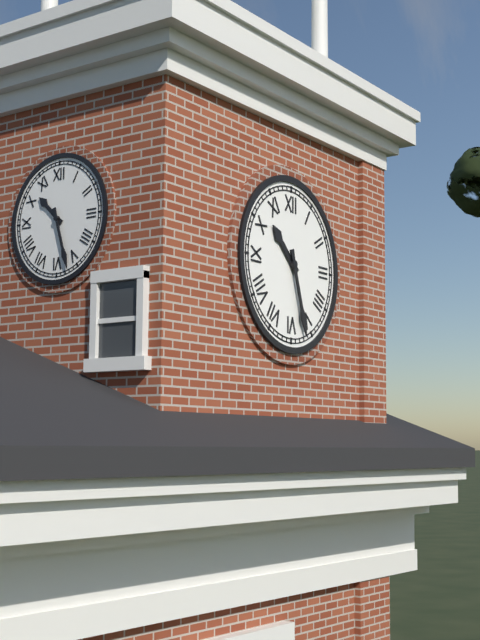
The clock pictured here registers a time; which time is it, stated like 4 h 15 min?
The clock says 10 h 27 min
